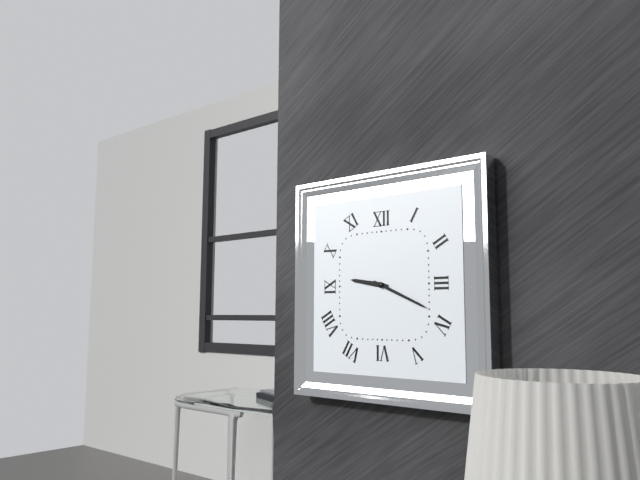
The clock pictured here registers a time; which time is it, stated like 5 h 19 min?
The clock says 9 h 19 min
